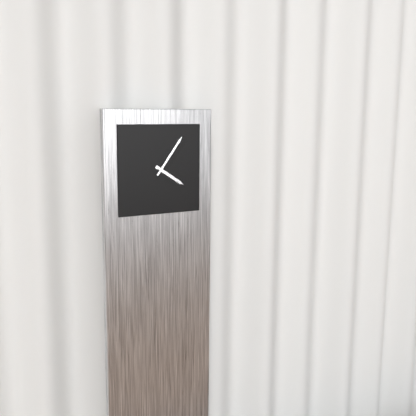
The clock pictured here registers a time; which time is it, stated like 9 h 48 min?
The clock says 4 h 06 min
